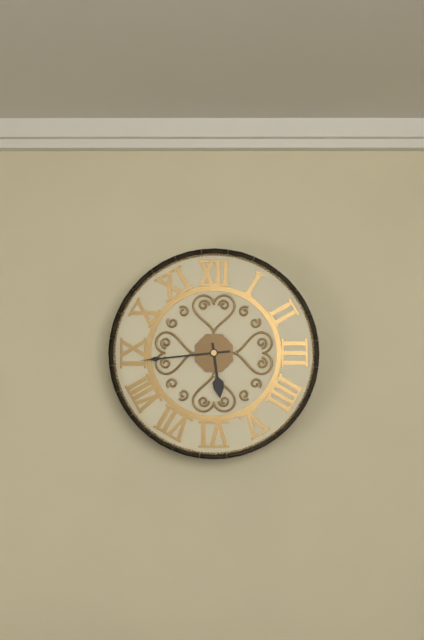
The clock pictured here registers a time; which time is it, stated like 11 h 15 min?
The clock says 5 h 44 min
